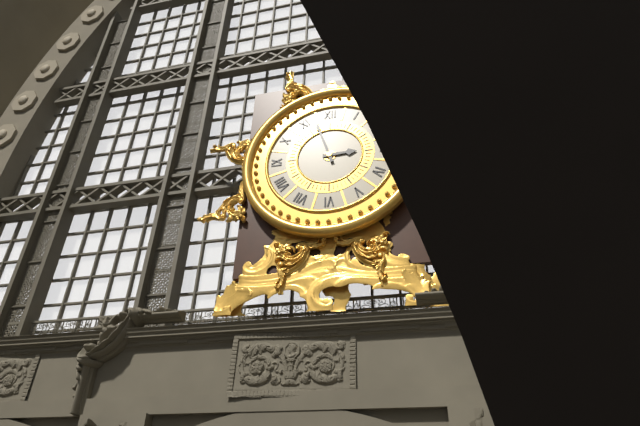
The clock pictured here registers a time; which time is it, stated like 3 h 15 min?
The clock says 2 h 57 min
